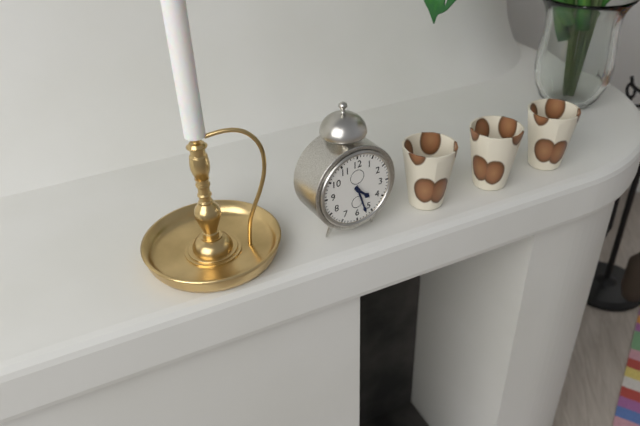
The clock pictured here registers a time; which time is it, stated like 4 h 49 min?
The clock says 4 h 27 min
